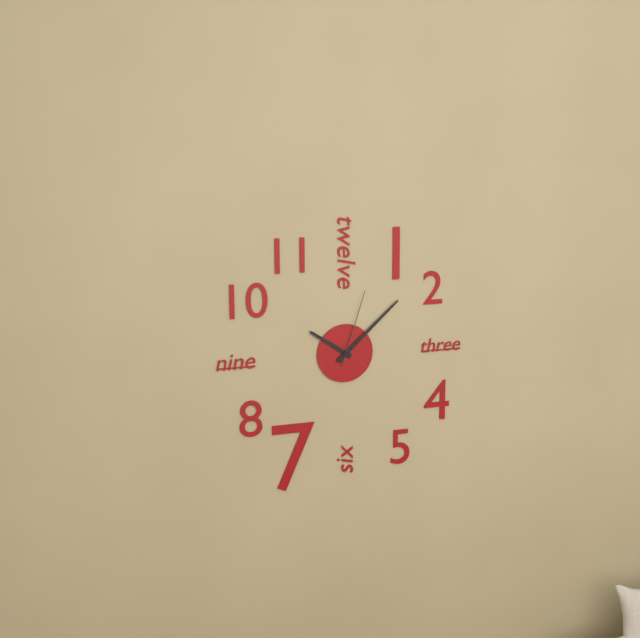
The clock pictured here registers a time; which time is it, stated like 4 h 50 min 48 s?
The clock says 10 h 08 min 03 s
